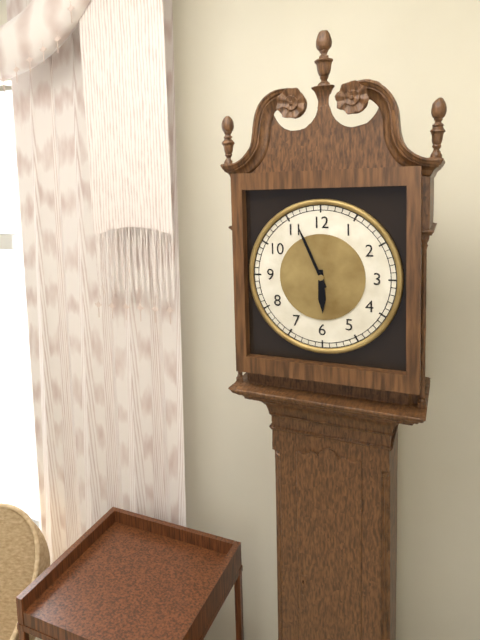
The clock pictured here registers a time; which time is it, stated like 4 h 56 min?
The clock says 5 h 56 min
